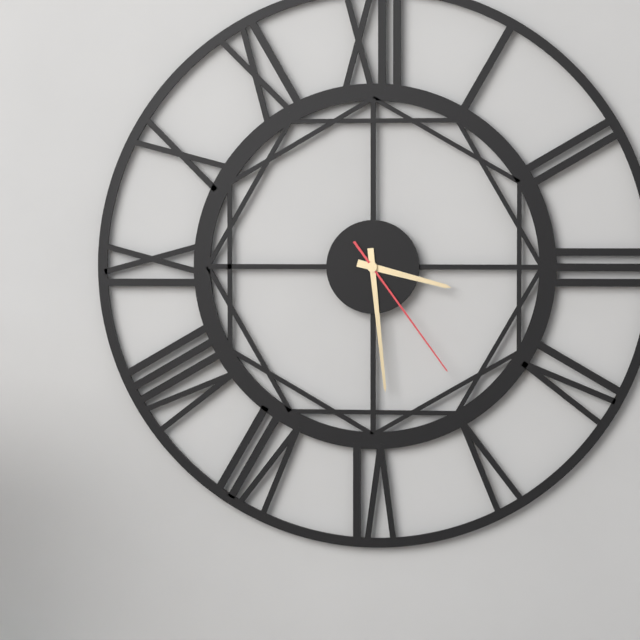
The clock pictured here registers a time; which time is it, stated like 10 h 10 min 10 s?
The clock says 3 h 29 min 24 s
